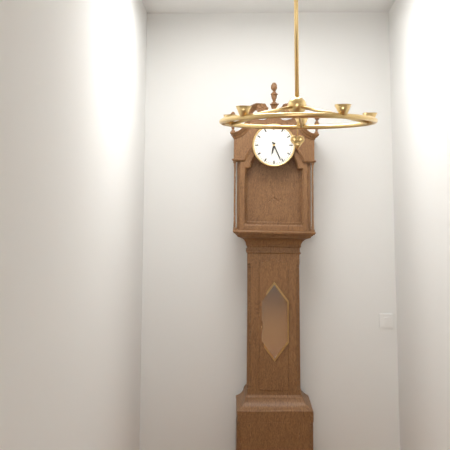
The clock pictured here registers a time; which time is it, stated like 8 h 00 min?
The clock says 6 h 26 min
